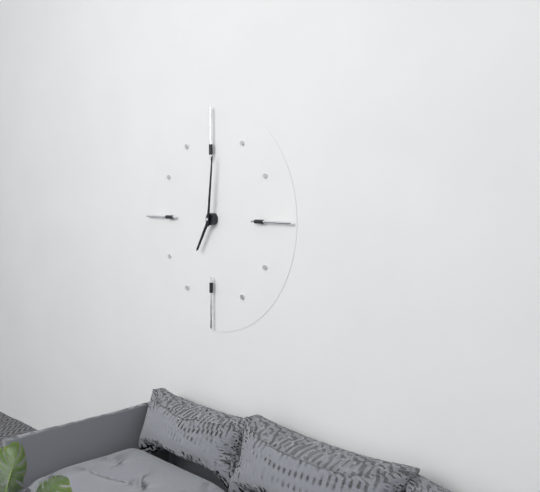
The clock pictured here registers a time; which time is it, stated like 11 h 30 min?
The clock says 7 h 01 min
